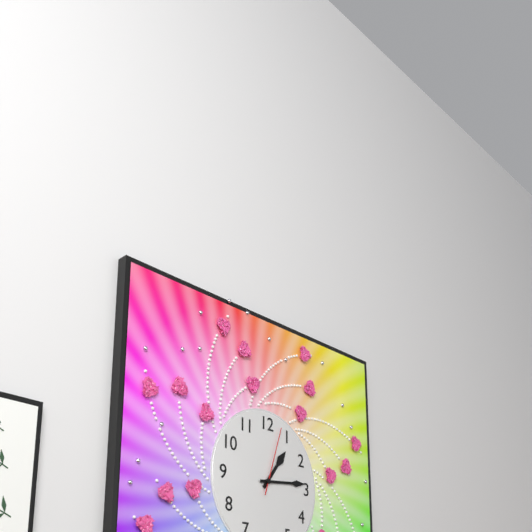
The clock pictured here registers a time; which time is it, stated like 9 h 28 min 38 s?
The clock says 1 h 14 min 03 s
